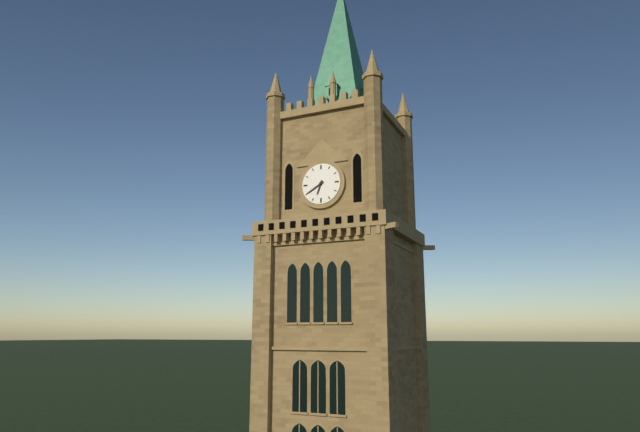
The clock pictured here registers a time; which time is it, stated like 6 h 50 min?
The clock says 6 h 40 min
